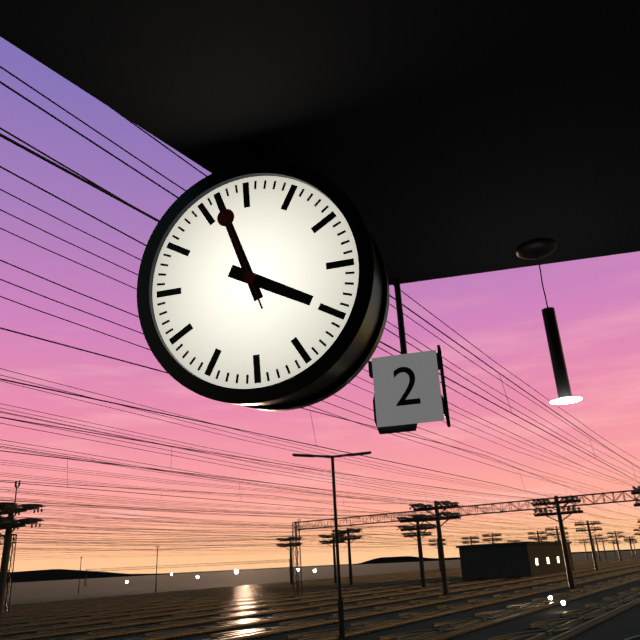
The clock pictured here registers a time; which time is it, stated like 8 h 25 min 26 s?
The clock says 3 h 57 min 57 s
